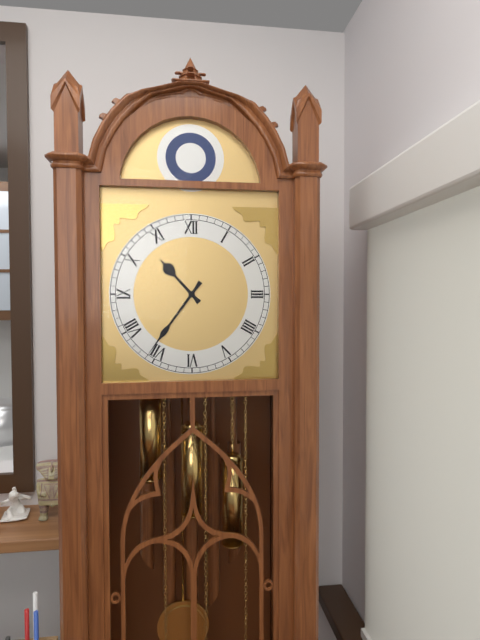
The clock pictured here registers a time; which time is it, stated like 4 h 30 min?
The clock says 10 h 36 min
